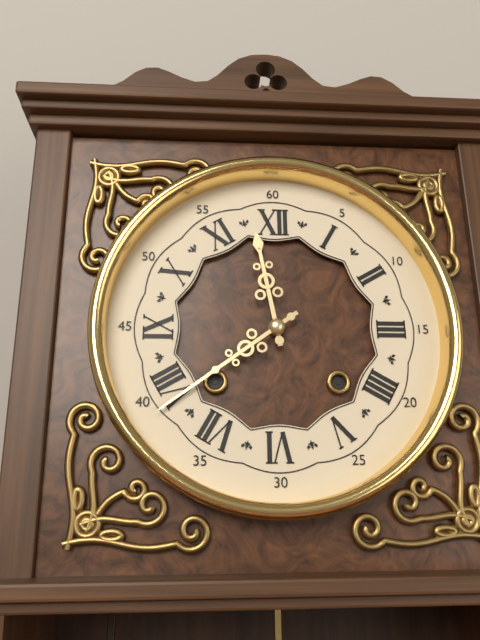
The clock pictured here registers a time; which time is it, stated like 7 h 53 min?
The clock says 11 h 39 min
